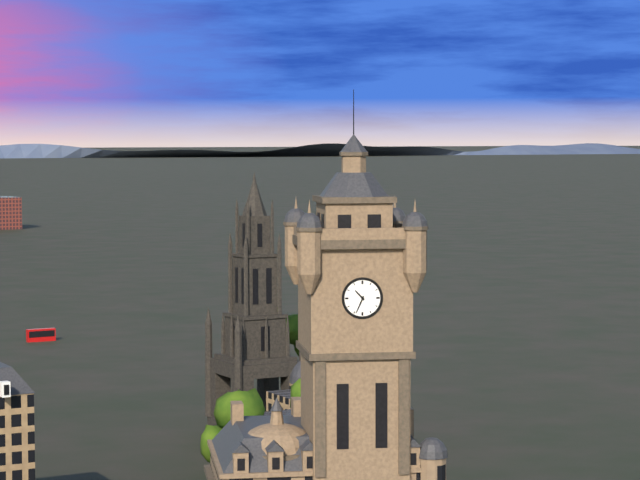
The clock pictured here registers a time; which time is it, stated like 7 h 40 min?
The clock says 10 h 34 min
